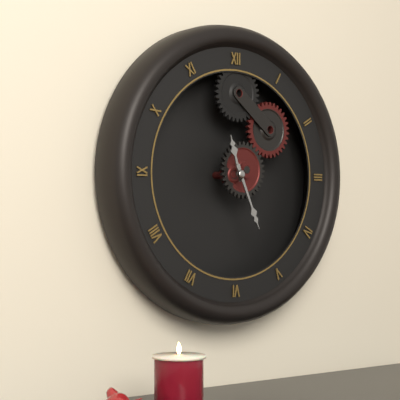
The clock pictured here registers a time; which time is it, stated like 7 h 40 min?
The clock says 11 h 26 min
